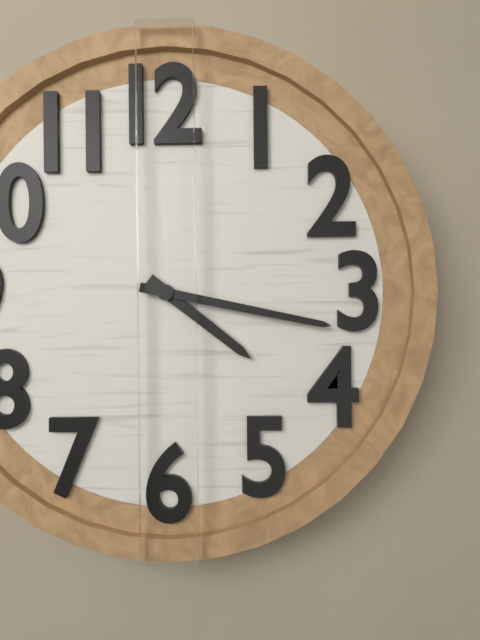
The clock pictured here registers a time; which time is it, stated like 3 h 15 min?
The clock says 4 h 17 min
